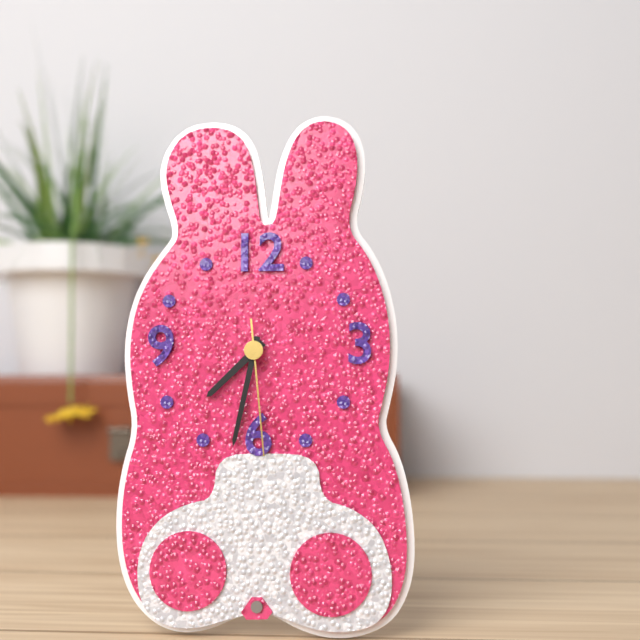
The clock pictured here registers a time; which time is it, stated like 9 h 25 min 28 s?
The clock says 7 h 32 min 29 s
